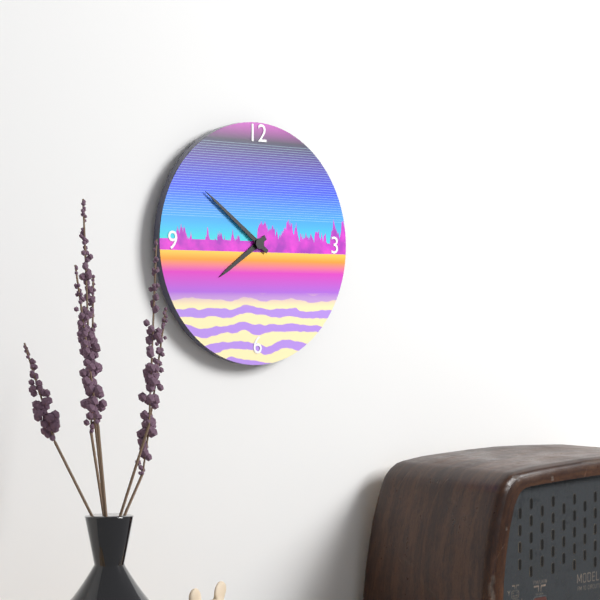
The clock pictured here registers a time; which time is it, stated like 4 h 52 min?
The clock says 7 h 51 min
